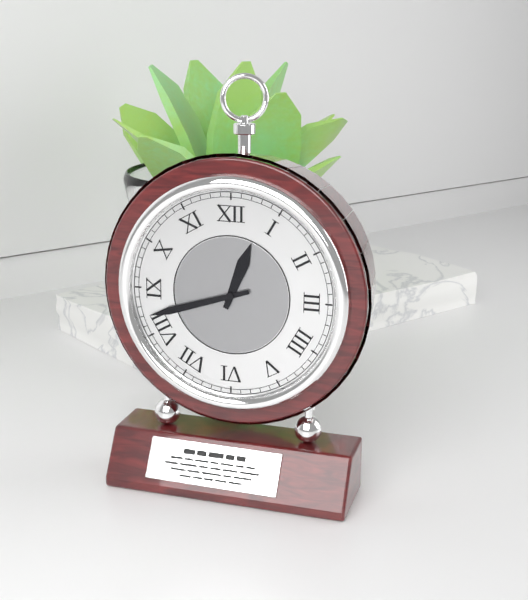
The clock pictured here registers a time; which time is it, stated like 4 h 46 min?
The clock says 12 h 42 min
